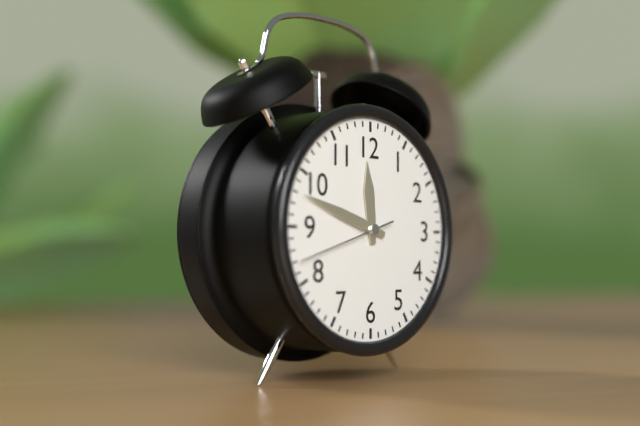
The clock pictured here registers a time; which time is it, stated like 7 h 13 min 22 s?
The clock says 11 h 48 min 42 s
